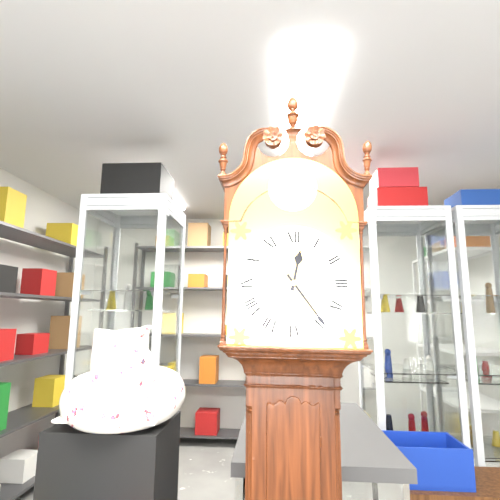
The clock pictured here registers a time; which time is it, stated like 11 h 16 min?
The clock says 12 h 24 min
